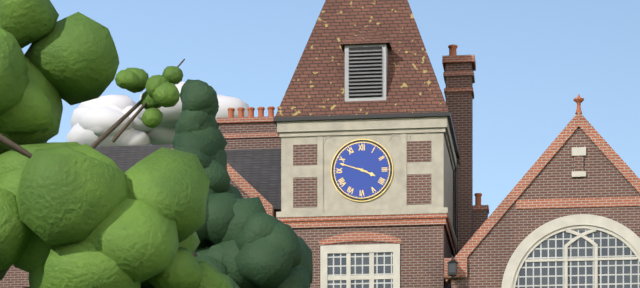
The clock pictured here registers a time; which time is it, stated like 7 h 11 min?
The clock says 3 h 48 min
